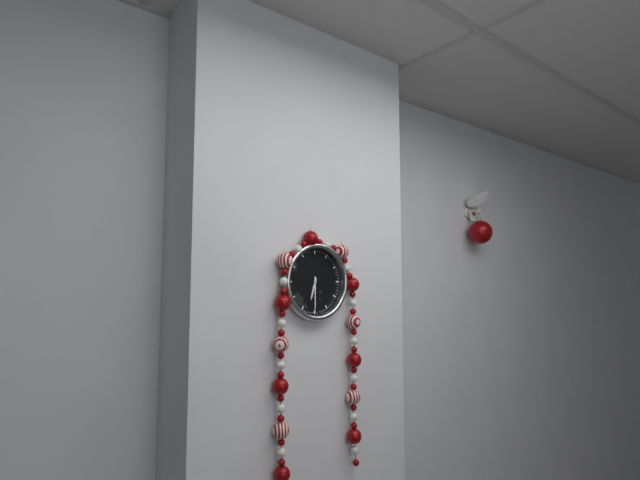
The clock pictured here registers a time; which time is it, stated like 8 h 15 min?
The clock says 6 h 30 min
